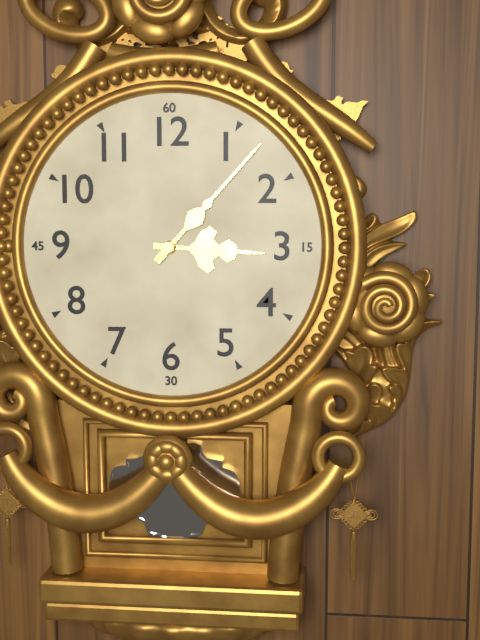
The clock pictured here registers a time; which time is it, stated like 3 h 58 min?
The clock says 3 h 07 min
